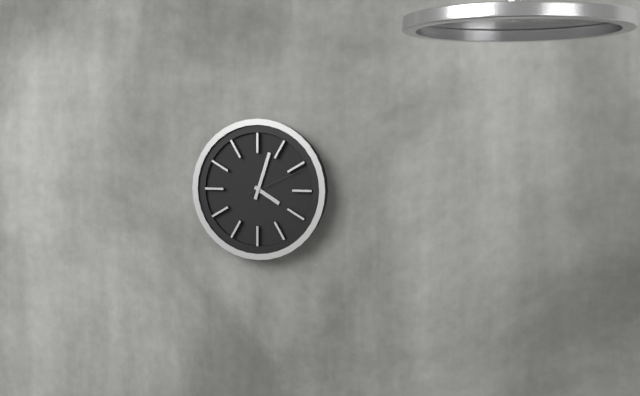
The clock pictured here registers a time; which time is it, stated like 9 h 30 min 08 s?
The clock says 4 h 03 min 11 s
